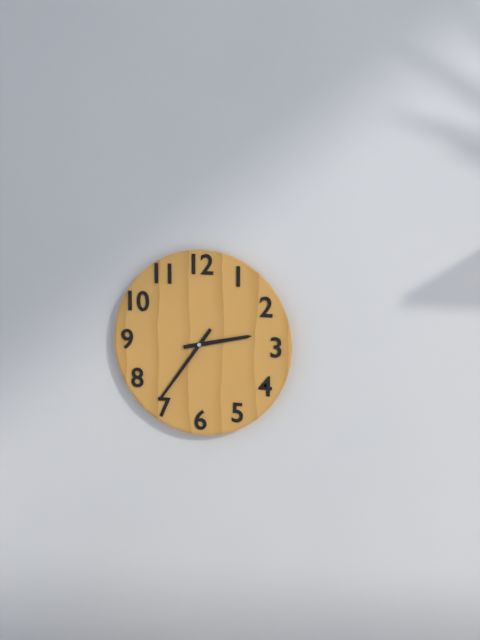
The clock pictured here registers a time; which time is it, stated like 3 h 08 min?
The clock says 2 h 36 min
